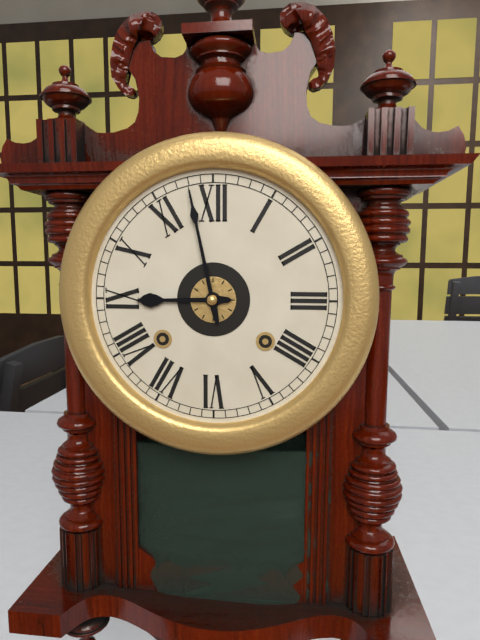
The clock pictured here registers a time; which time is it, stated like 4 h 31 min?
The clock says 8 h 58 min
